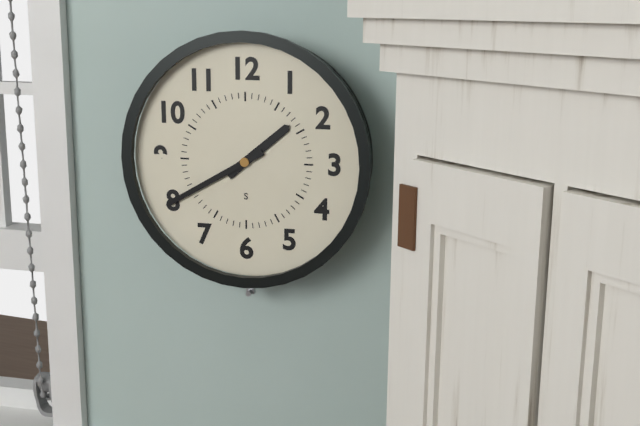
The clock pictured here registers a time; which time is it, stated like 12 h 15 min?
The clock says 1 h 40 min
